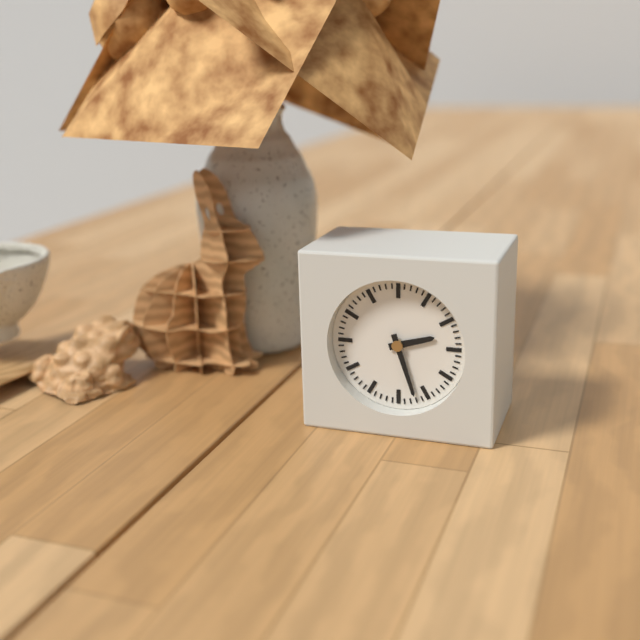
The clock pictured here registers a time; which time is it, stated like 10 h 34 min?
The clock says 2 h 27 min
